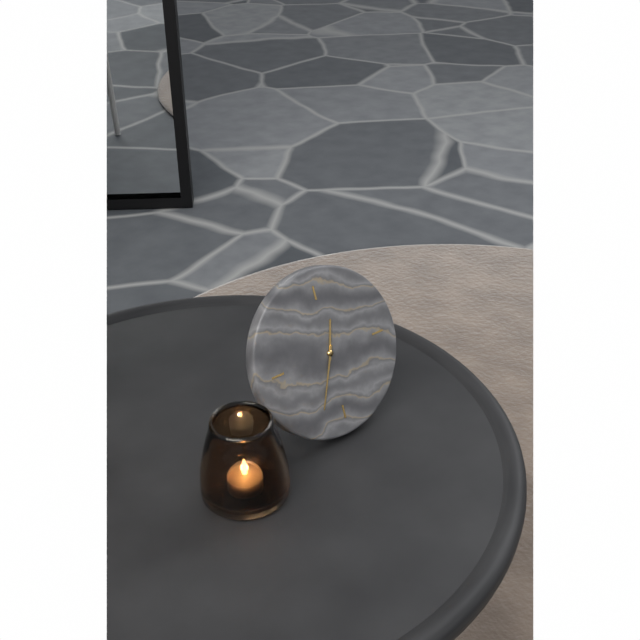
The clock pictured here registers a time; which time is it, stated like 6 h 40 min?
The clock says 12 h 34 min
